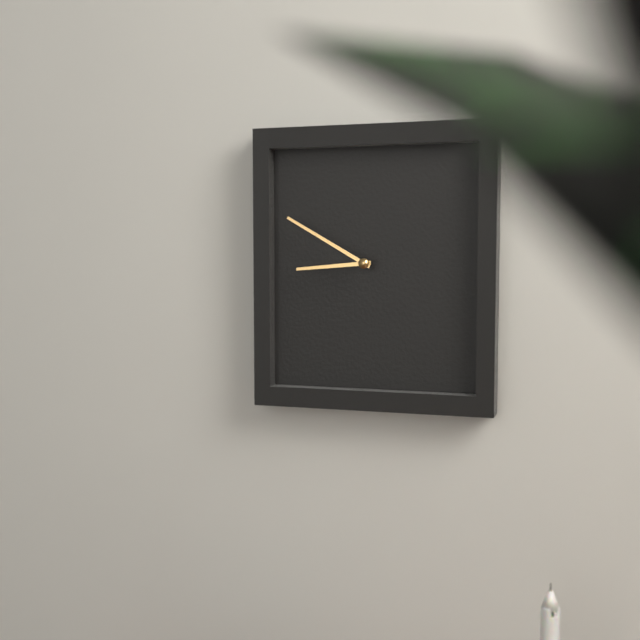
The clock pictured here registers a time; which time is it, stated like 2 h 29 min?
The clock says 8 h 50 min
